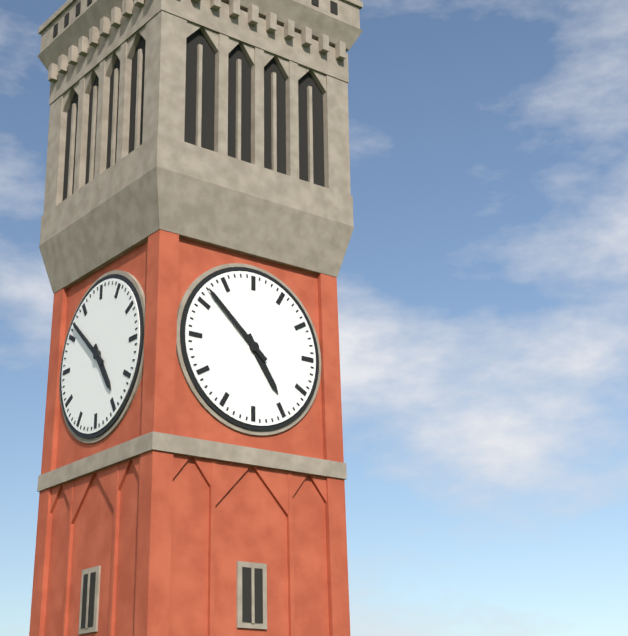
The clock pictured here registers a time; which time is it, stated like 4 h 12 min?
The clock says 4 h 52 min
